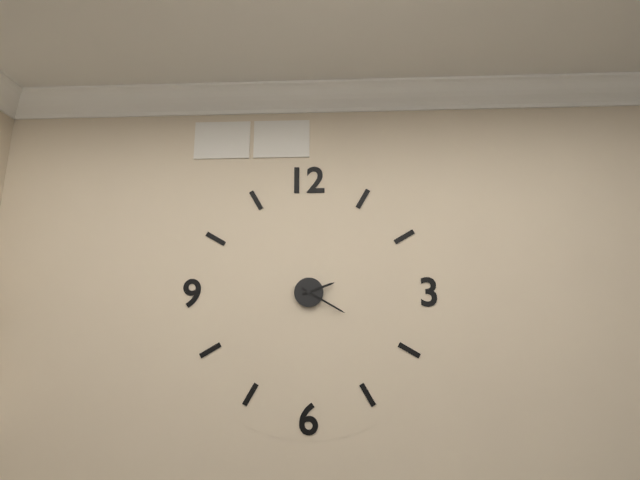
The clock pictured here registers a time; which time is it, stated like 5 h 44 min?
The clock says 2 h 20 min
